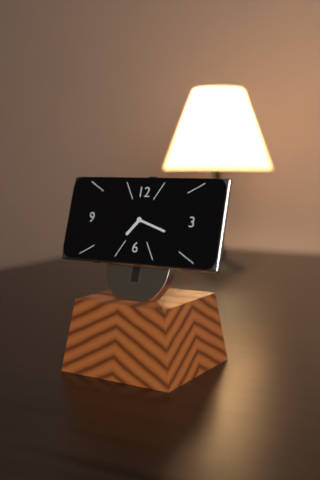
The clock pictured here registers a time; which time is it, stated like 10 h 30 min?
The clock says 7 h 18 min
